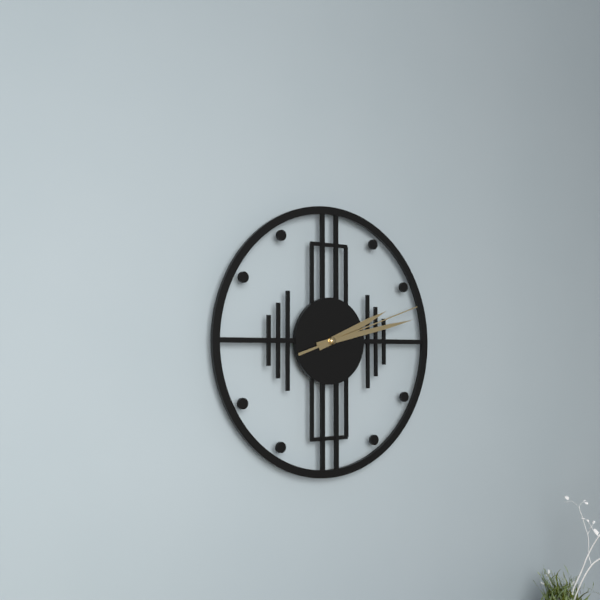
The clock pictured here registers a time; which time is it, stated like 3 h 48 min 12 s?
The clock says 2 h 13 min 12 s
